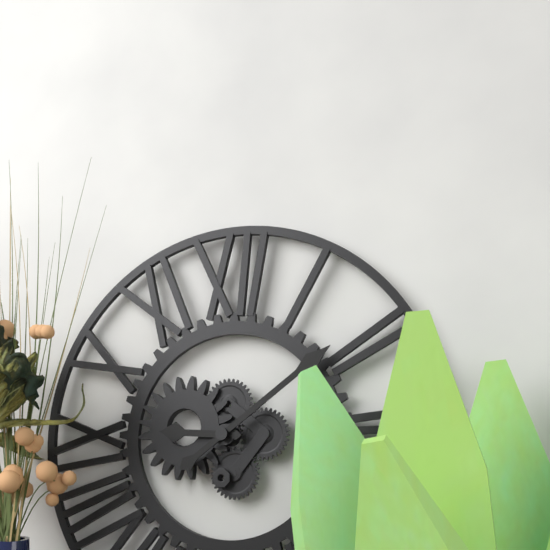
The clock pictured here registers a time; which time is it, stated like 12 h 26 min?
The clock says 9 h 09 min
